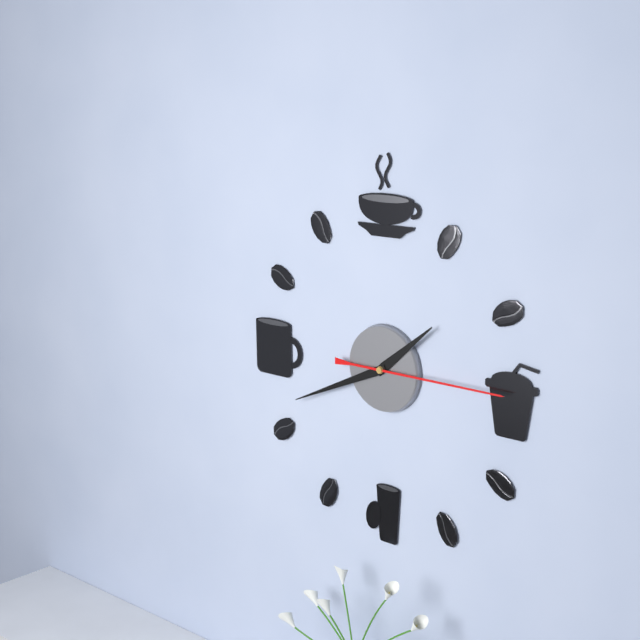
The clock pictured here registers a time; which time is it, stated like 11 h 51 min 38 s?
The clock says 1 h 41 min 15 s
